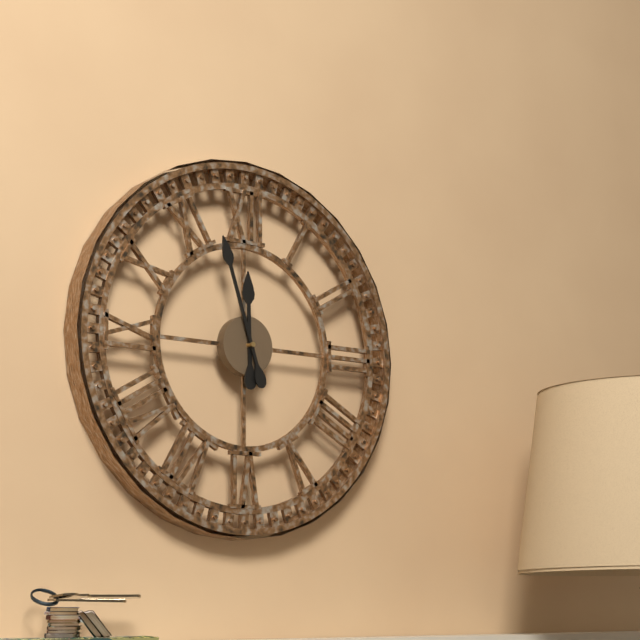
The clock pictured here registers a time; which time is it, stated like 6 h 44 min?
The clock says 11 h 57 min
